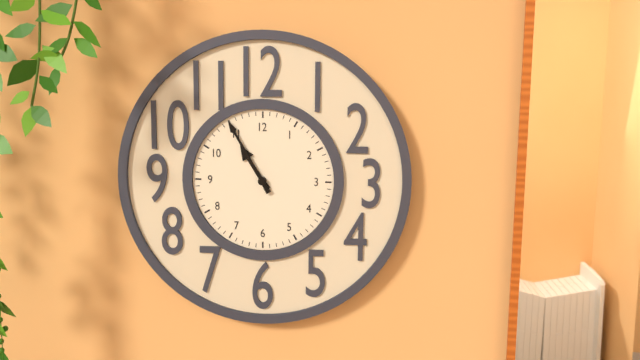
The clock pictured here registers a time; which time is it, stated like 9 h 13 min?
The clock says 10 h 55 min
